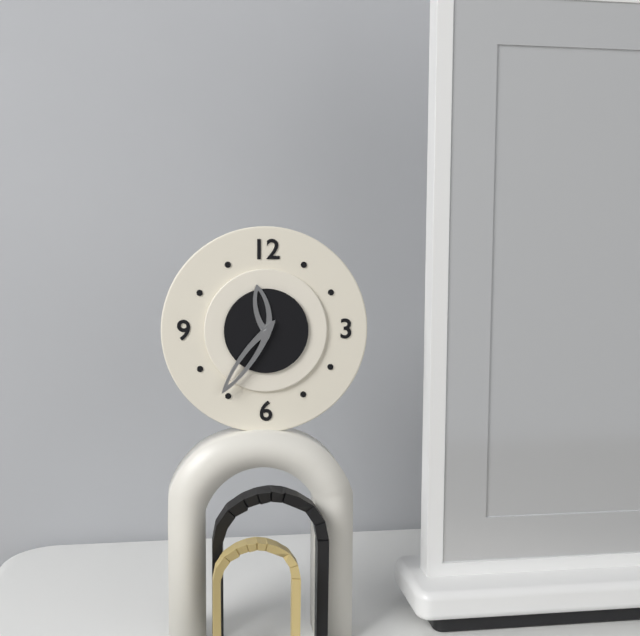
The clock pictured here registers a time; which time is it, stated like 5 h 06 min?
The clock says 11 h 36 min
